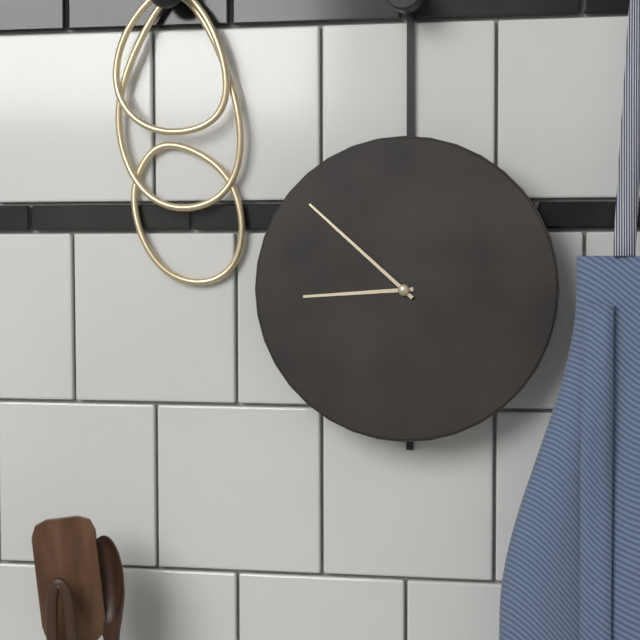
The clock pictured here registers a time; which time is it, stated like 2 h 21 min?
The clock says 8 h 52 min
